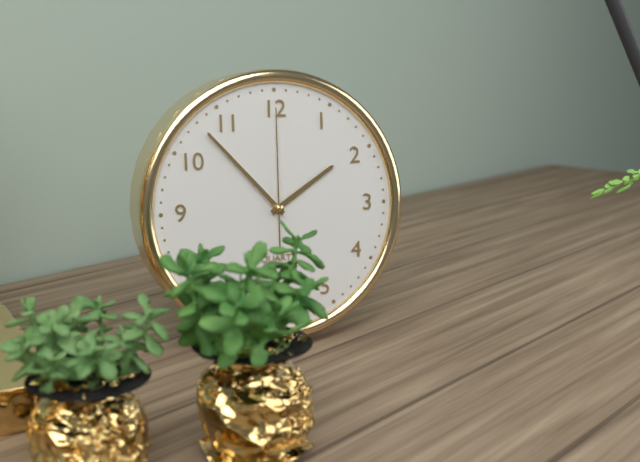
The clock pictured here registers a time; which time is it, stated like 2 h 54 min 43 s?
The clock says 1 h 53 min 00 s
